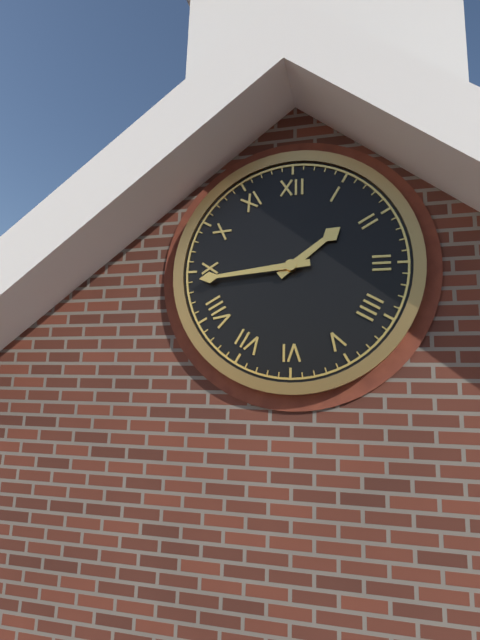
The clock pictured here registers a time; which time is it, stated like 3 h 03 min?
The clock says 1 h 44 min
